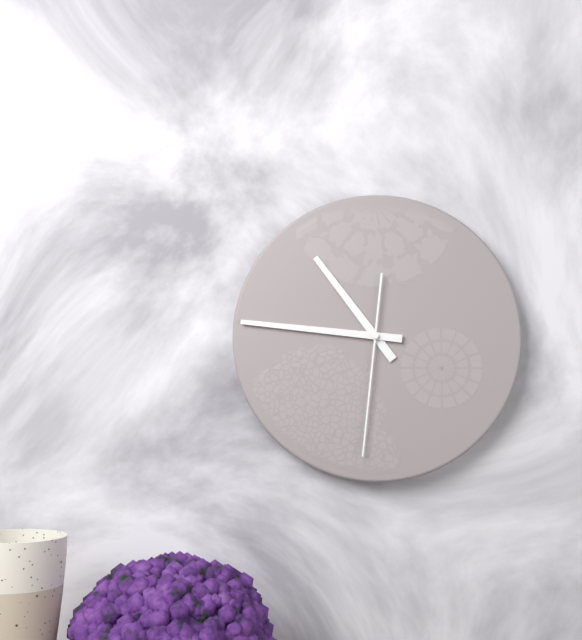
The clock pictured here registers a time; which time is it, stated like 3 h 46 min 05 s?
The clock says 10 h 46 min 31 s
